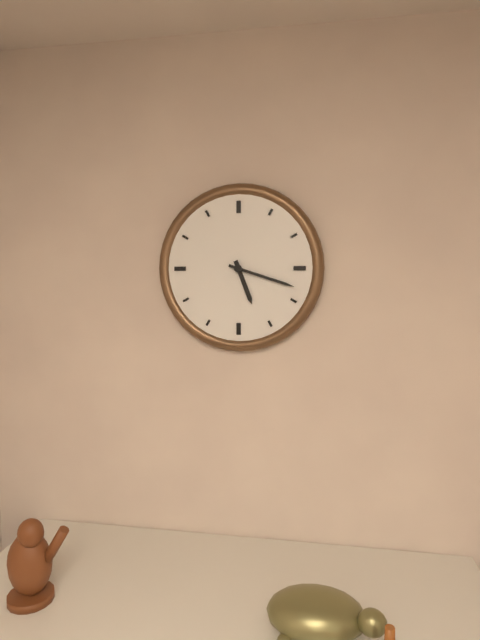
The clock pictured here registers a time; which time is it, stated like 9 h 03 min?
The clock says 5 h 18 min
